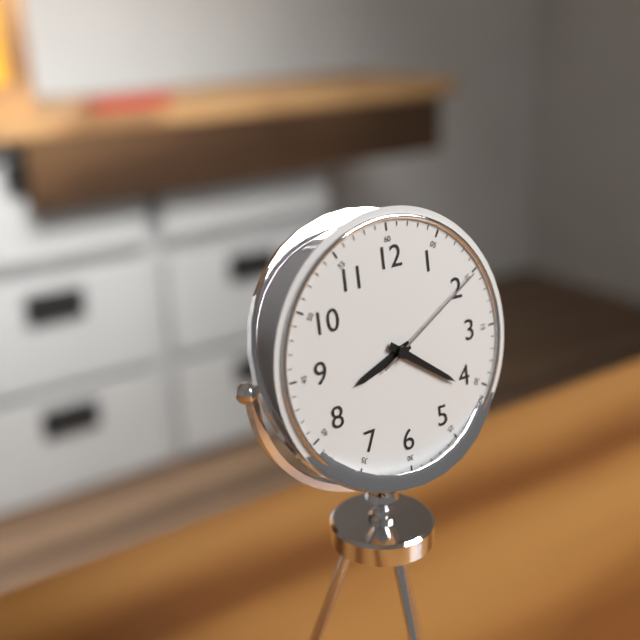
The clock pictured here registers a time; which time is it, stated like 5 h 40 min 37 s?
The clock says 8 h 21 min 10 s
